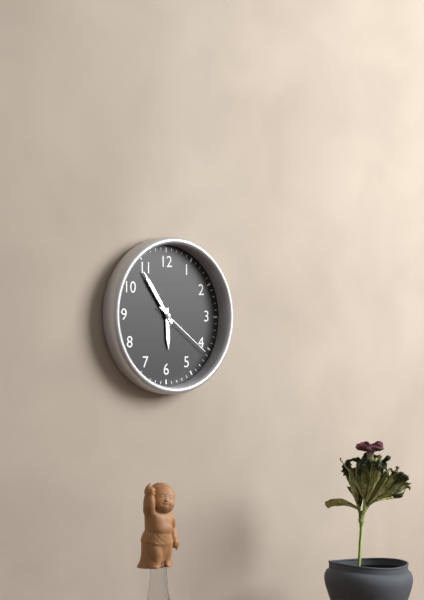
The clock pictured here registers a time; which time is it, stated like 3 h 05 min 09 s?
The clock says 5 h 54 min 21 s
